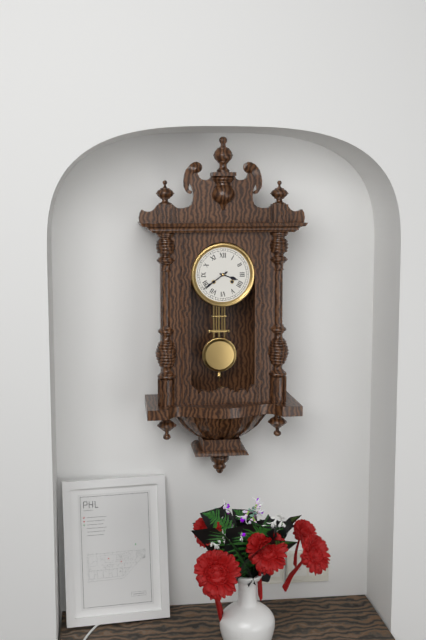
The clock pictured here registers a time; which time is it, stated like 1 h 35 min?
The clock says 3 h 39 min
